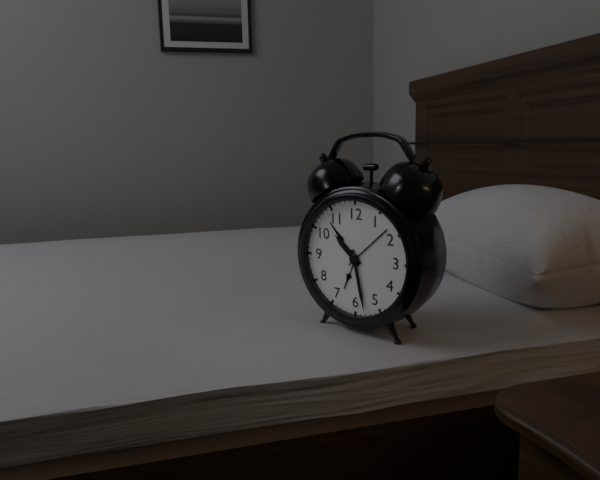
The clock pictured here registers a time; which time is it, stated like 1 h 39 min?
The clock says 10 h 28 min
